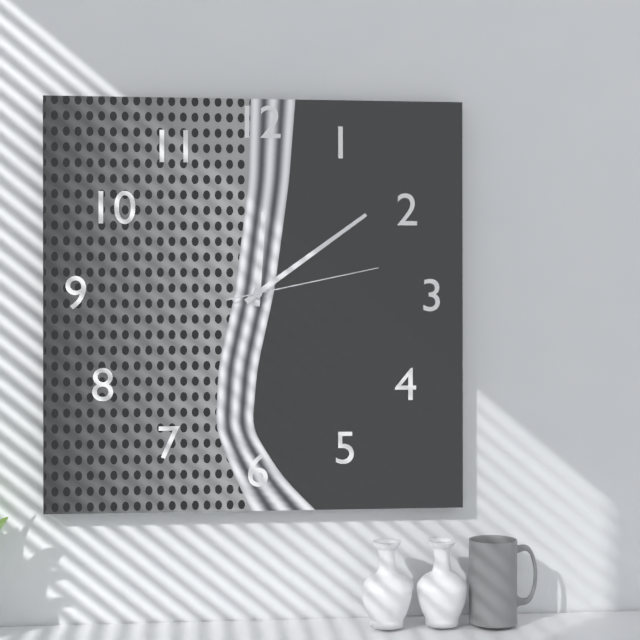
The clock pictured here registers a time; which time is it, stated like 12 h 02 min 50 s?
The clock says 12 h 09 min 13 s
